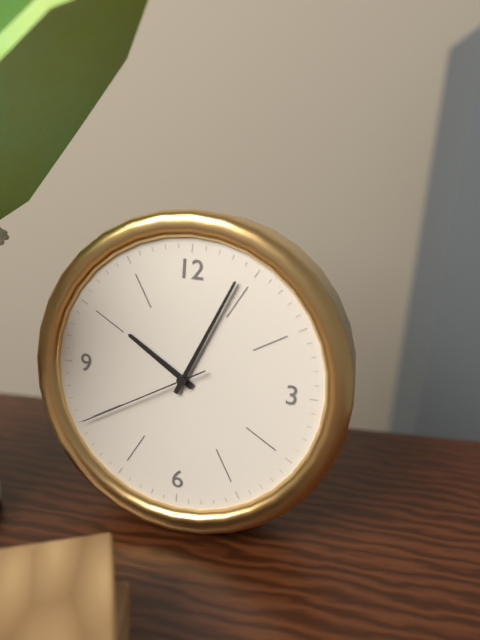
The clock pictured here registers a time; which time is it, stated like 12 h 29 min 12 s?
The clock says 10 h 04 min 40 s
